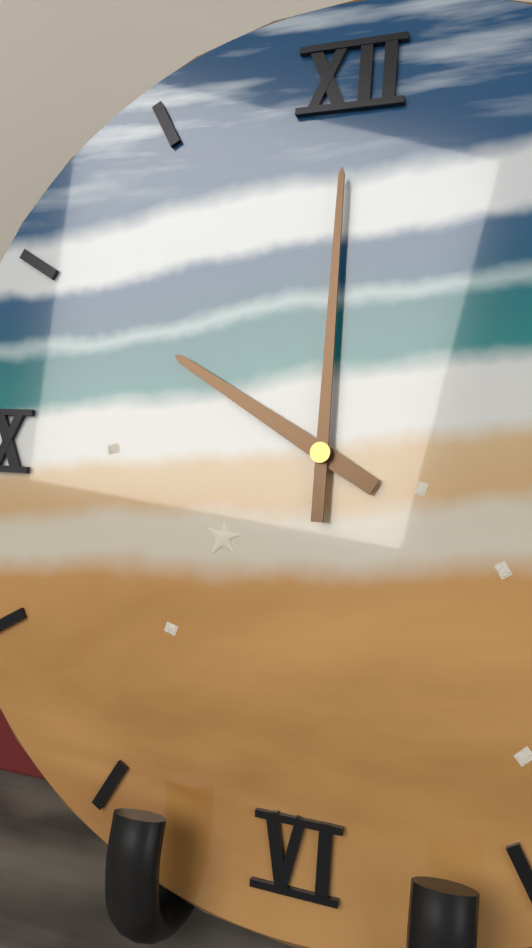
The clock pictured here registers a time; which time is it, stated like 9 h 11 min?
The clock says 10 h 00 min
